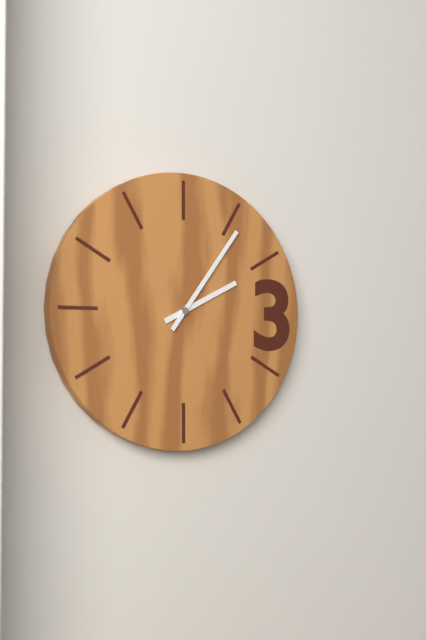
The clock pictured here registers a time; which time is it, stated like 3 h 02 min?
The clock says 2 h 06 min
